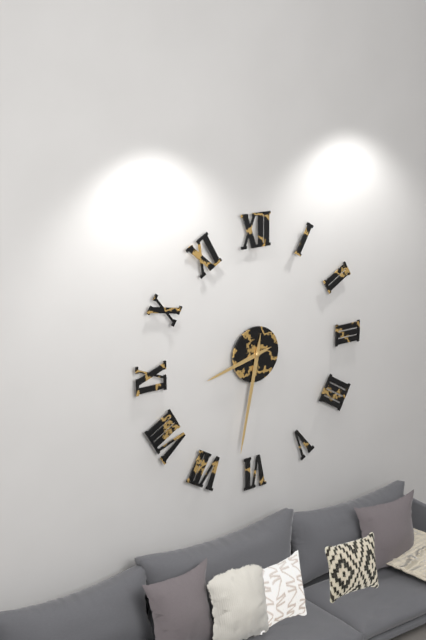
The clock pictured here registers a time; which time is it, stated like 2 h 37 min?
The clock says 8 h 32 min
